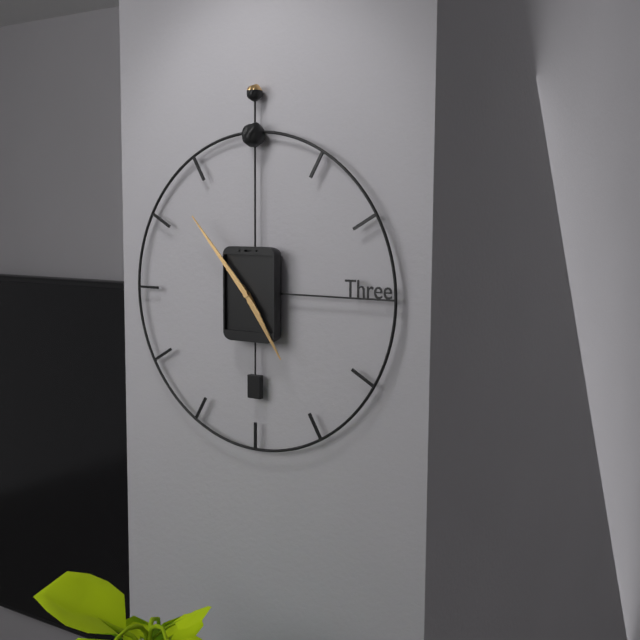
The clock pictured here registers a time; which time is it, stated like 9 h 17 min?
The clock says 4 h 53 min
